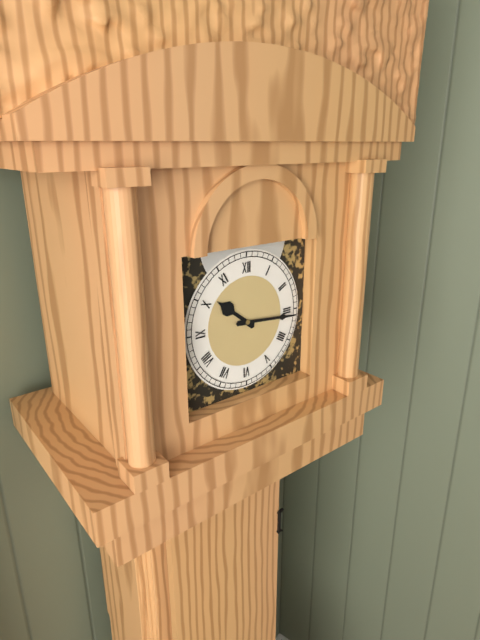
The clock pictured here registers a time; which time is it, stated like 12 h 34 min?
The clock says 10 h 16 min
